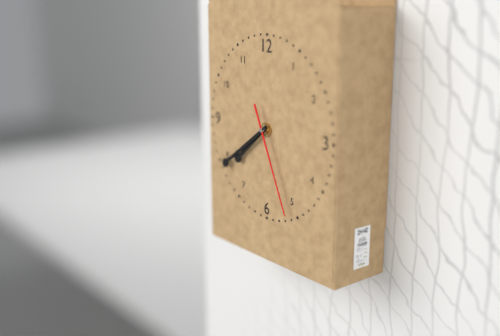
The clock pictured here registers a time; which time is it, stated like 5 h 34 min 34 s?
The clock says 7 h 39 min 26 s
